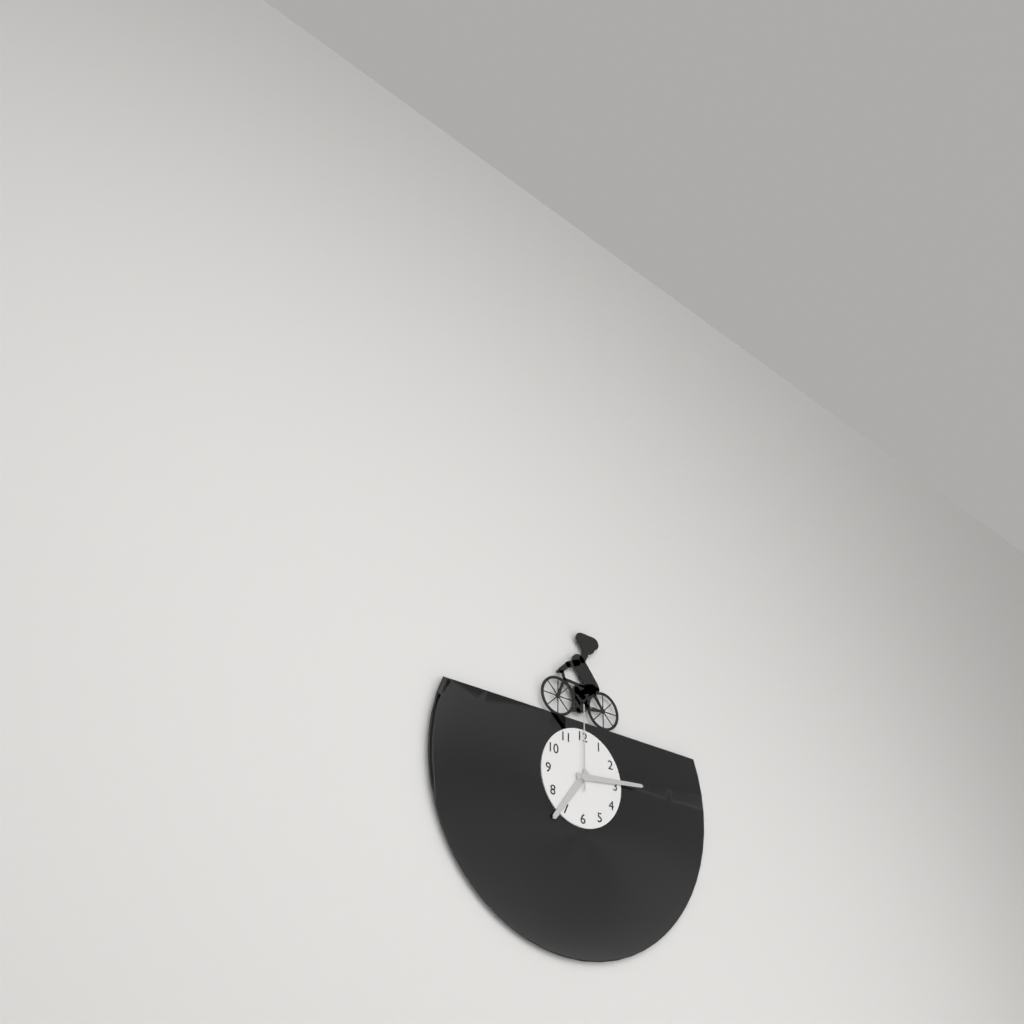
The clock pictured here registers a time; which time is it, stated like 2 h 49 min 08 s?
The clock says 7 h 14 min 00 s
